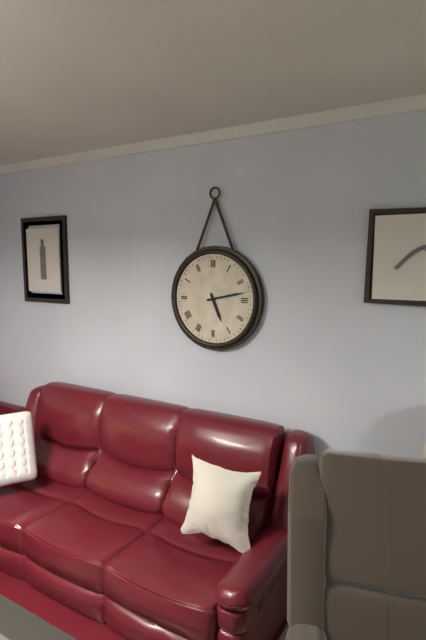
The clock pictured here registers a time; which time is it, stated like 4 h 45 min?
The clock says 5 h 13 min
